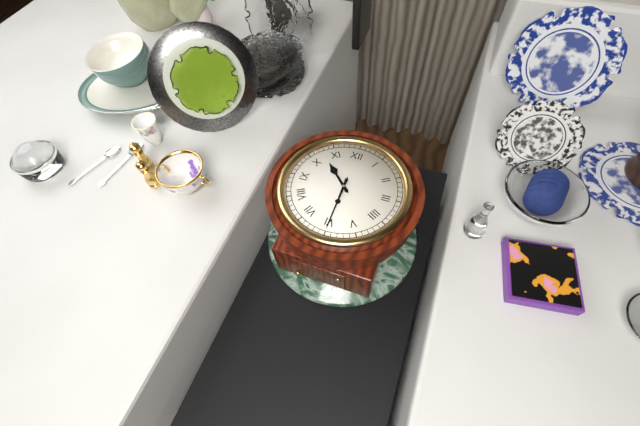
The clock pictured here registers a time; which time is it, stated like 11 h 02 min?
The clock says 10 h 30 min
